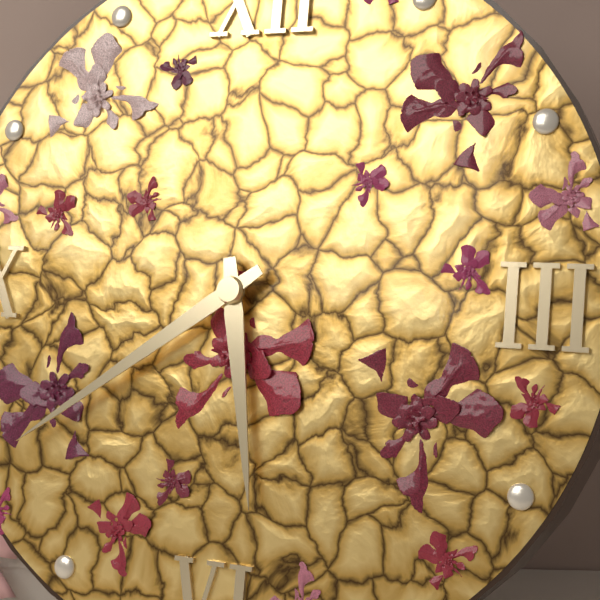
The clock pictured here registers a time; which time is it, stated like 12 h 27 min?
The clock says 5 h 39 min
